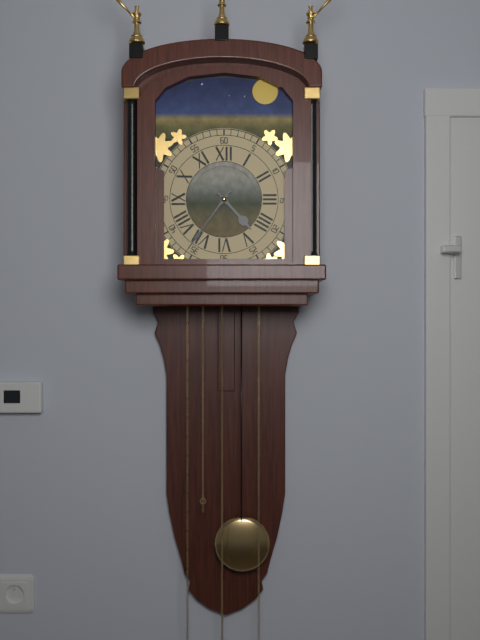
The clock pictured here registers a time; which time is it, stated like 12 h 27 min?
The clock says 4 h 36 min
